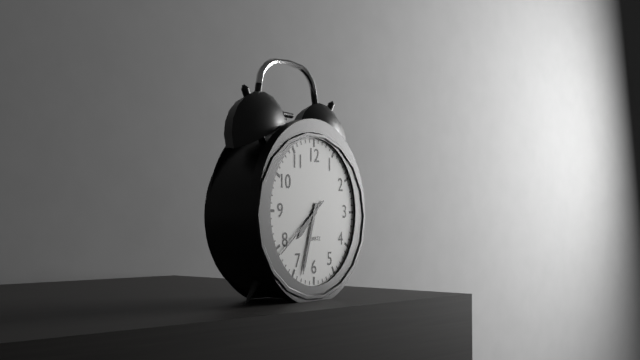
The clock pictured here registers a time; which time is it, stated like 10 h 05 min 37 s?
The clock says 7 h 33 min 39 s
